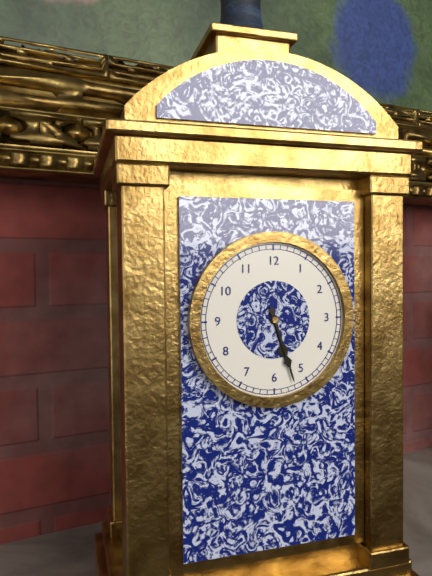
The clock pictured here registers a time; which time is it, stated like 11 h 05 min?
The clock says 5 h 27 min
